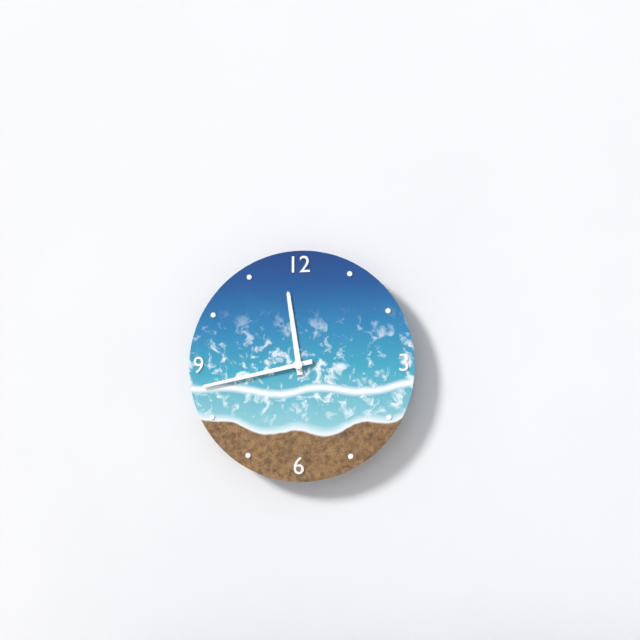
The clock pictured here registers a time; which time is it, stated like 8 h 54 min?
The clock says 11 h 43 min
